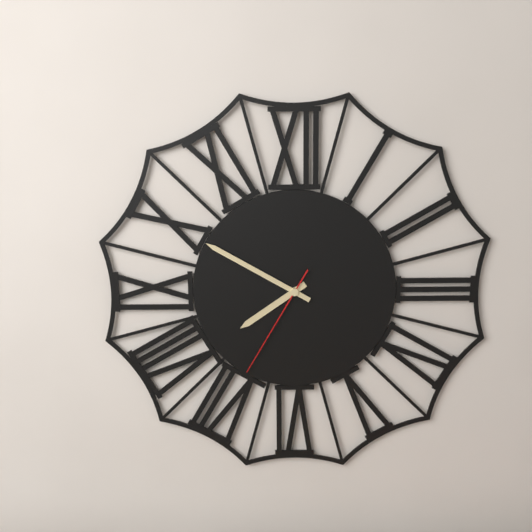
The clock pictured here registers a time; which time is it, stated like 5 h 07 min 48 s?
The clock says 7 h 50 min 35 s
